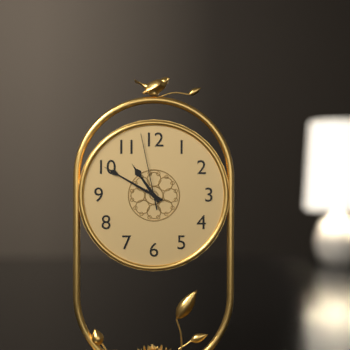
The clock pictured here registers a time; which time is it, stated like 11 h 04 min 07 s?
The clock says 10 h 50 min 58 s
